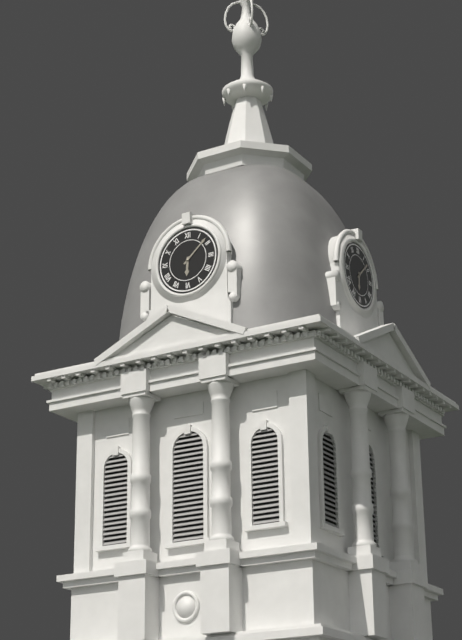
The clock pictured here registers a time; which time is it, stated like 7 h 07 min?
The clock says 6 h 08 min
